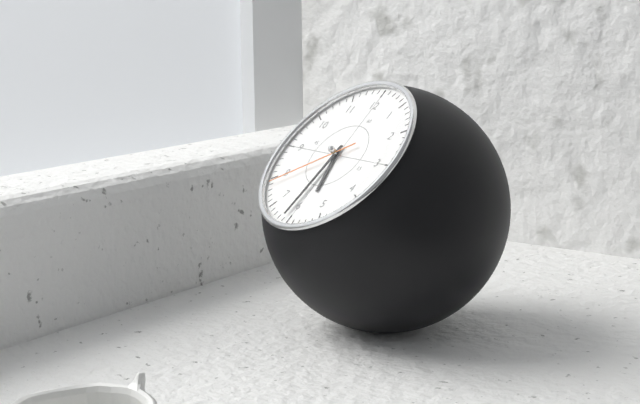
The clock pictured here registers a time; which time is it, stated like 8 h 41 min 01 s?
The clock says 5 h 31 min 39 s
